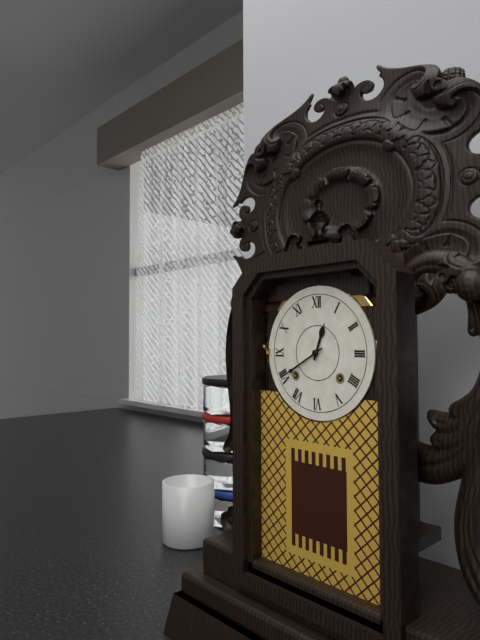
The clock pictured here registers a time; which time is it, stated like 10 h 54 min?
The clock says 12 h 40 min
